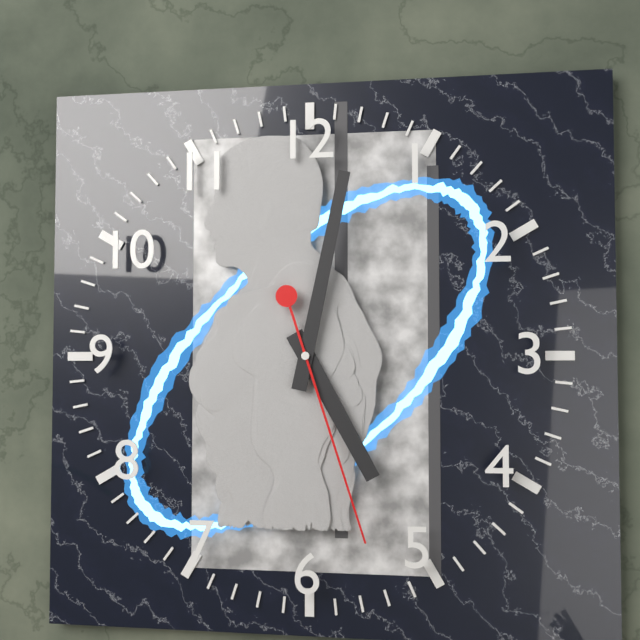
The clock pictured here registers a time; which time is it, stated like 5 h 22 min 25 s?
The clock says 5 h 02 min 27 s
